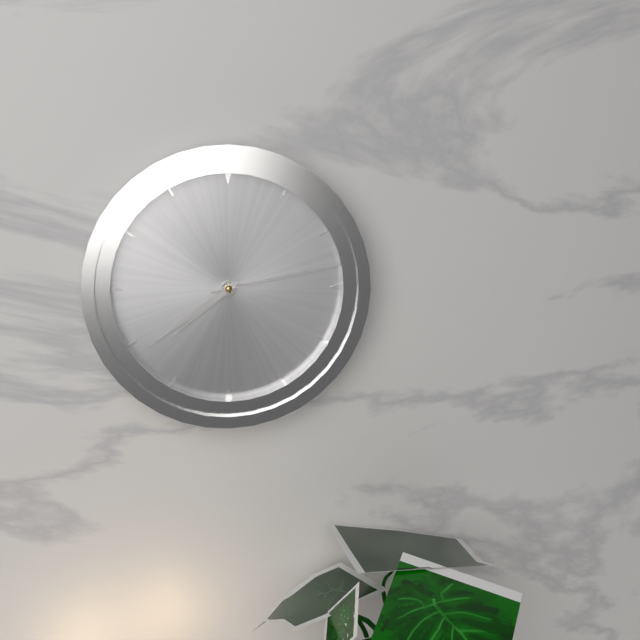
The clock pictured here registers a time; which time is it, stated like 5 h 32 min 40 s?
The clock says 7 h 39 min 13 s
